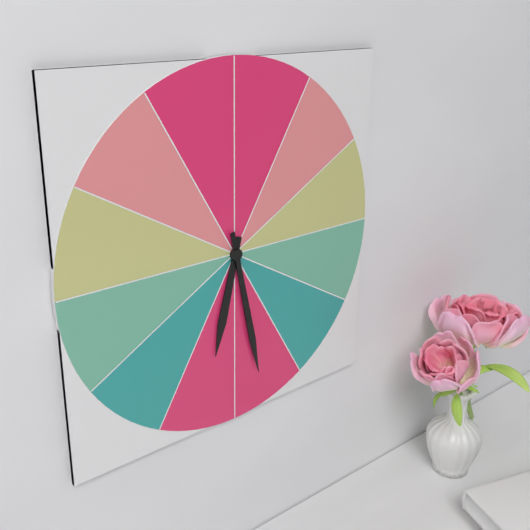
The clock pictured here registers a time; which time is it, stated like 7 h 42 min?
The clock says 6 h 28 min
